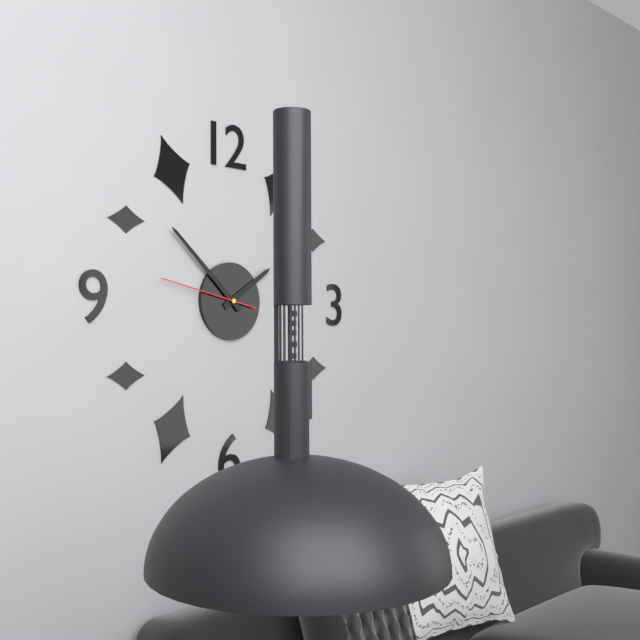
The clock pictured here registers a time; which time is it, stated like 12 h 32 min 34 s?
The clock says 1 h 52 min 47 s
